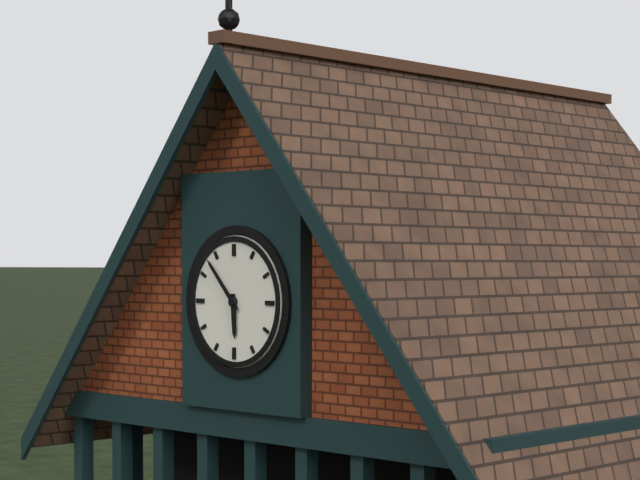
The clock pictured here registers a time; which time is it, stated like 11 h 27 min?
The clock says 5 h 53 min
